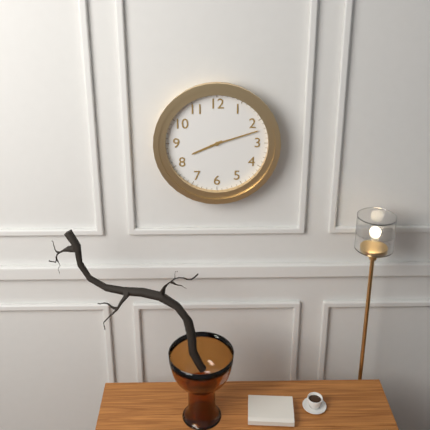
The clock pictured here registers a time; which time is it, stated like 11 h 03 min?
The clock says 8 h 12 min
